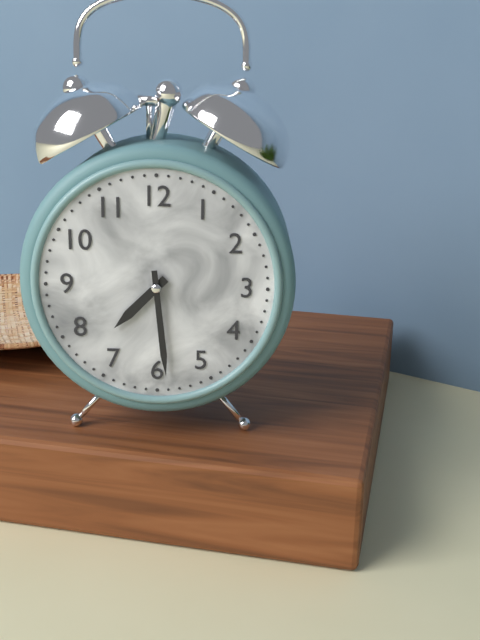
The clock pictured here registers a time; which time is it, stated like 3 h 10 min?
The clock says 7 h 29 min
